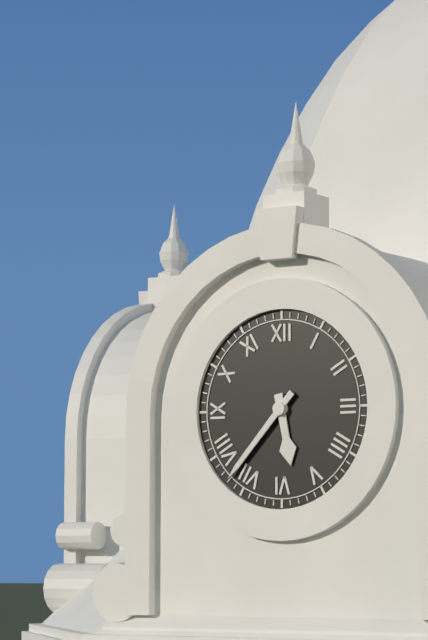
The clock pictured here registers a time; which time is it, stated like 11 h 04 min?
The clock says 5 h 37 min
